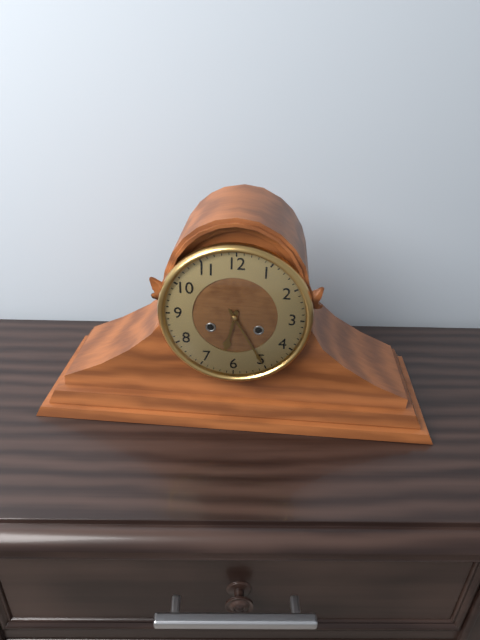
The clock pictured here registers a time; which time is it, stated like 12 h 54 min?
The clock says 6 h 25 min
